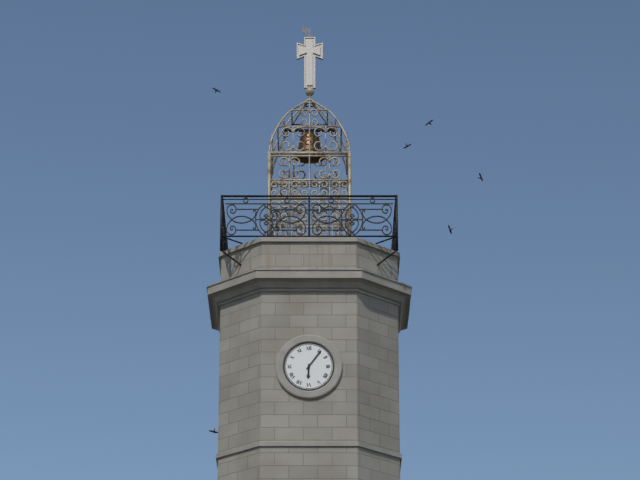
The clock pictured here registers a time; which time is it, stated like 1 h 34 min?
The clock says 6 h 06 min
